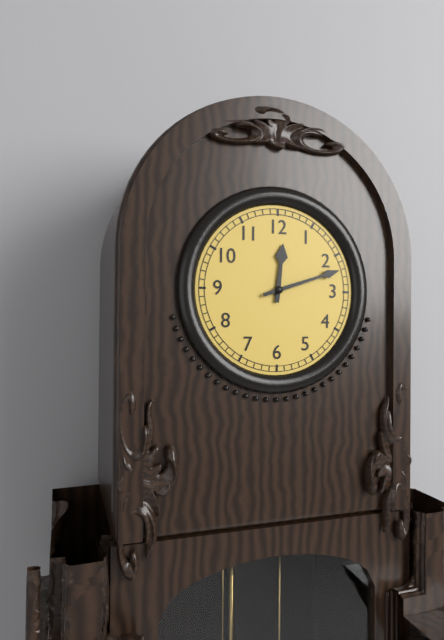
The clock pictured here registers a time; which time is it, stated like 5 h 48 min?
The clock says 12 h 12 min
